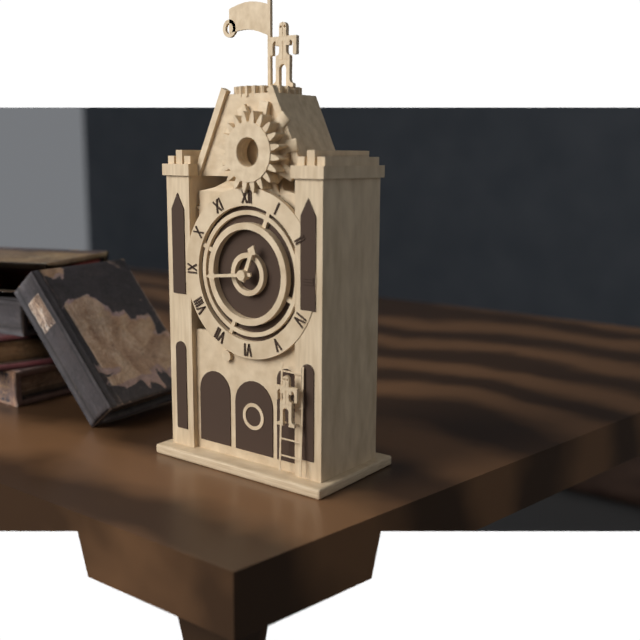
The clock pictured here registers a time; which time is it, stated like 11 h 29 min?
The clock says 12 h 44 min
